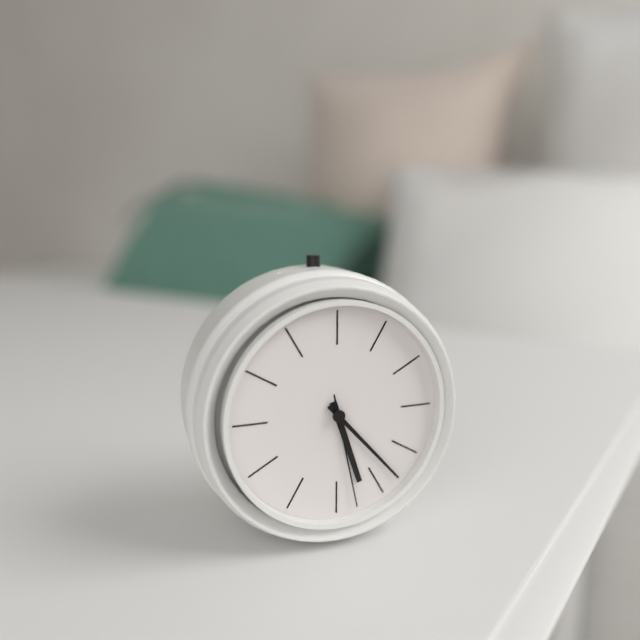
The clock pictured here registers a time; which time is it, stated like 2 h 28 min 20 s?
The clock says 5 h 23 min 28 s
